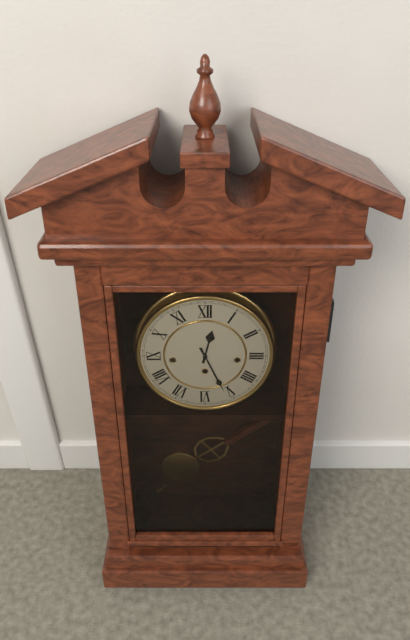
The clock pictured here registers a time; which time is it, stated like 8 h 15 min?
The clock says 12 h 26 min
